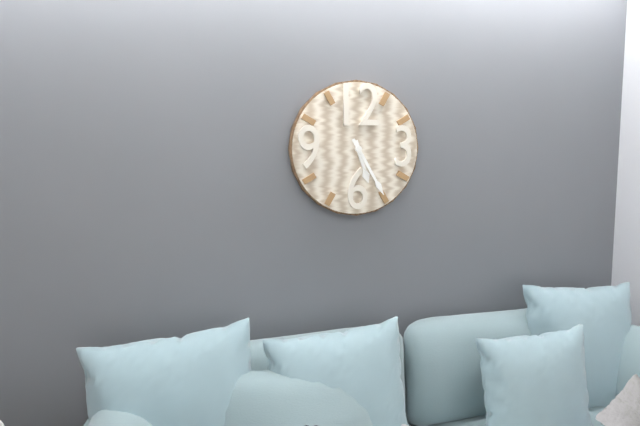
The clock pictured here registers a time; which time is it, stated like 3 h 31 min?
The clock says 5 h 25 min
